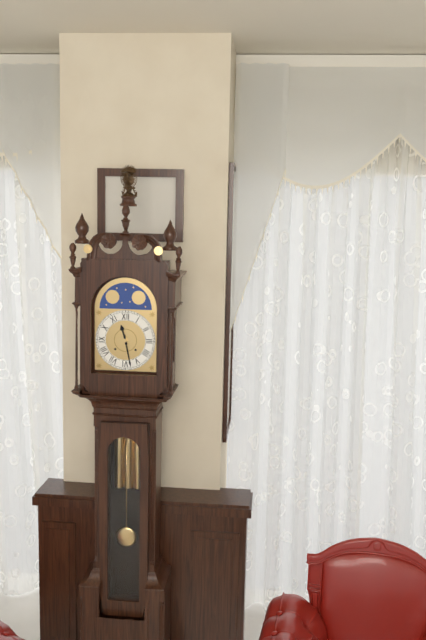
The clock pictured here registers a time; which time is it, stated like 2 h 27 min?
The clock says 11 h 28 min
